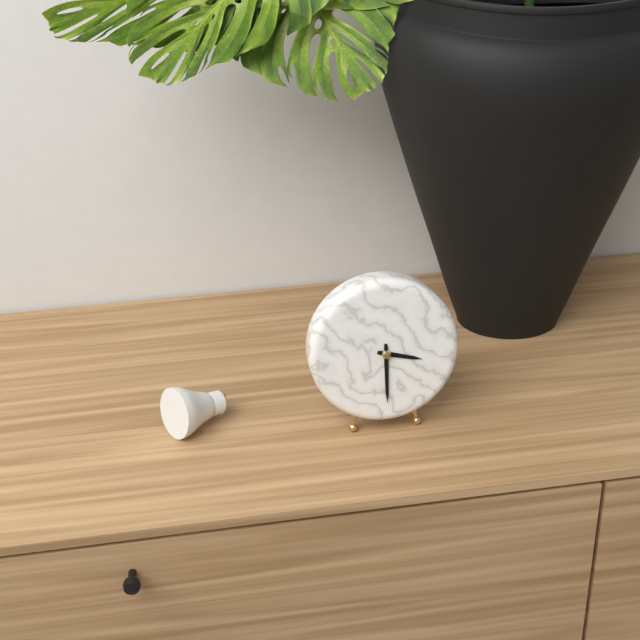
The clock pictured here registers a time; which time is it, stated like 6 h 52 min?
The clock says 3 h 30 min
